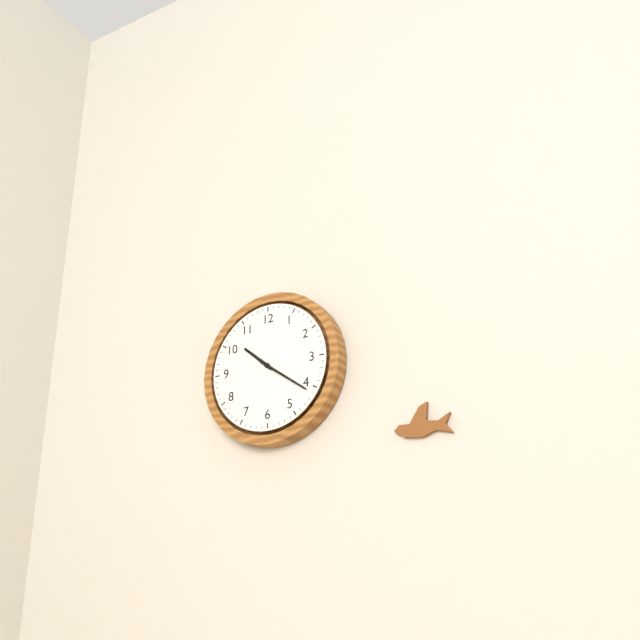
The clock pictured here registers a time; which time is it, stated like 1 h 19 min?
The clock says 10 h 21 min
